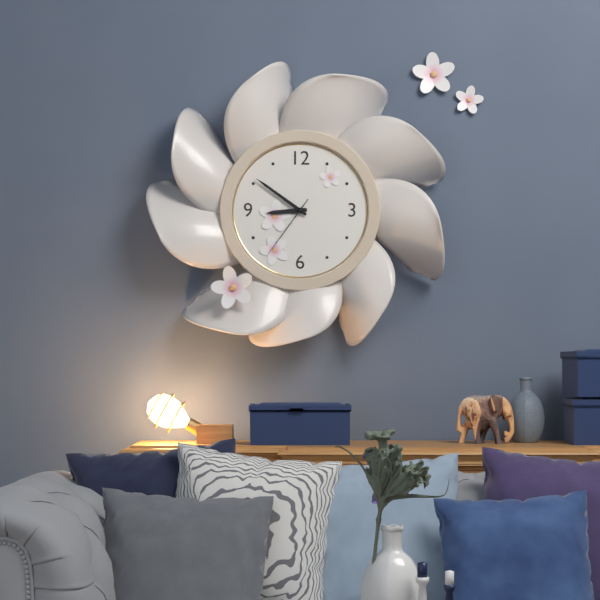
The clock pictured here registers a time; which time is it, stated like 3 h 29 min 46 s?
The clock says 8 h 51 min 36 s
